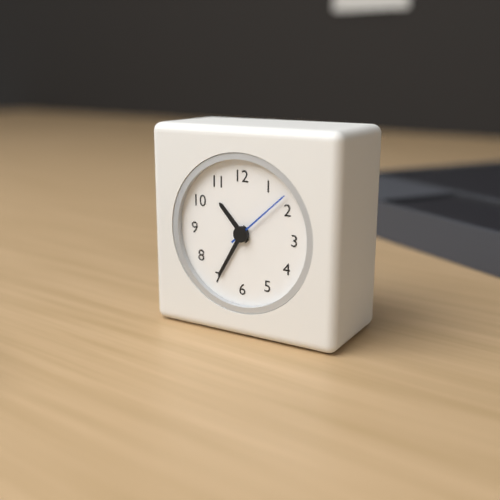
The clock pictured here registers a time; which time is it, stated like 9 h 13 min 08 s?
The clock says 10 h 35 min 08 s
